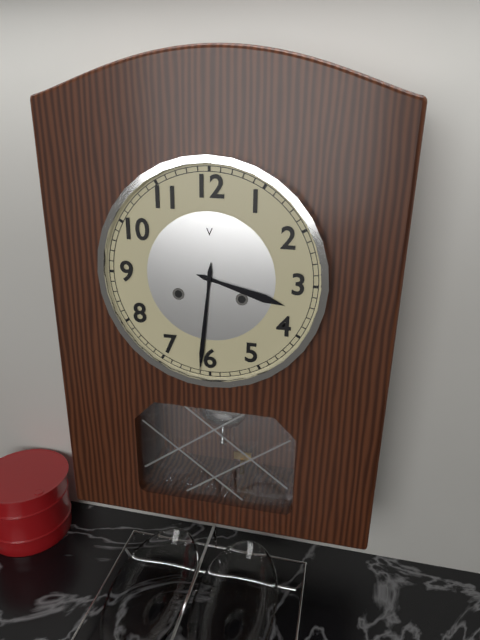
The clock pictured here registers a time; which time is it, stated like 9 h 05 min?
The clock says 3 h 31 min
